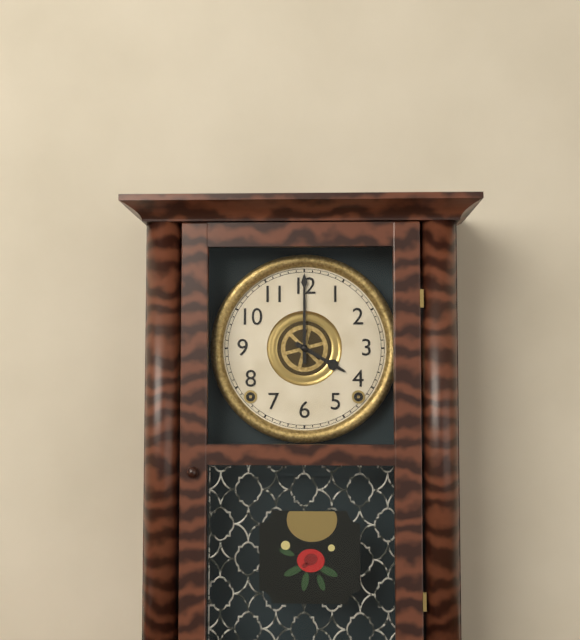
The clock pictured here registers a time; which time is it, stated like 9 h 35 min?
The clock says 4 h 00 min
